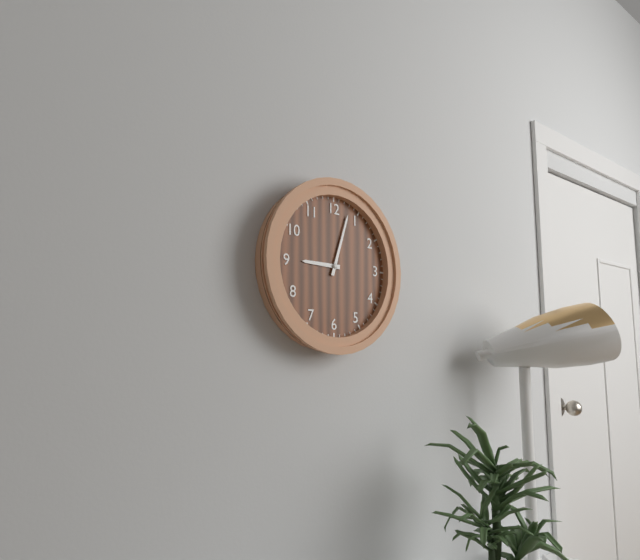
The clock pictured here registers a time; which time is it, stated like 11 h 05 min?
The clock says 9 h 03 min
